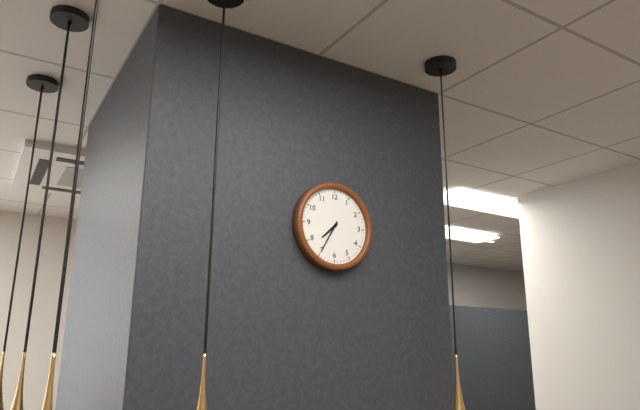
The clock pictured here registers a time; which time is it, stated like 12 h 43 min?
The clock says 7 h 35 min
